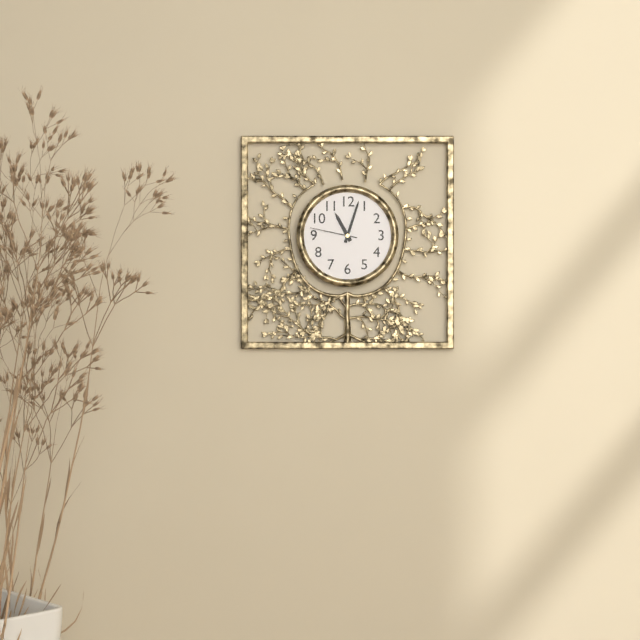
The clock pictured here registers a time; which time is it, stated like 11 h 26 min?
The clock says 11 h 03 min
